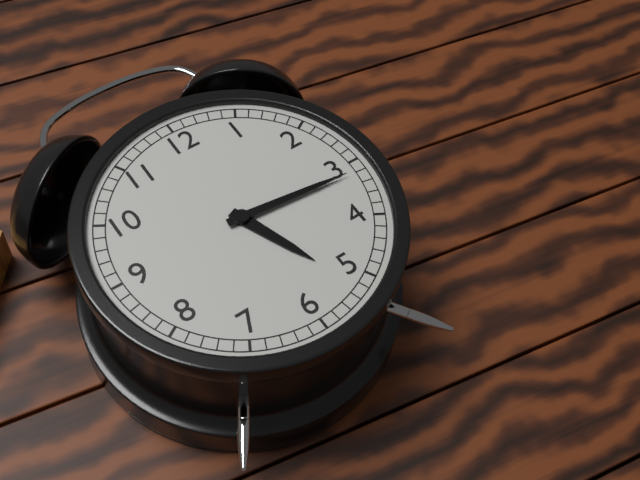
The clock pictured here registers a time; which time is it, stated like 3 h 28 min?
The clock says 5 h 16 min
